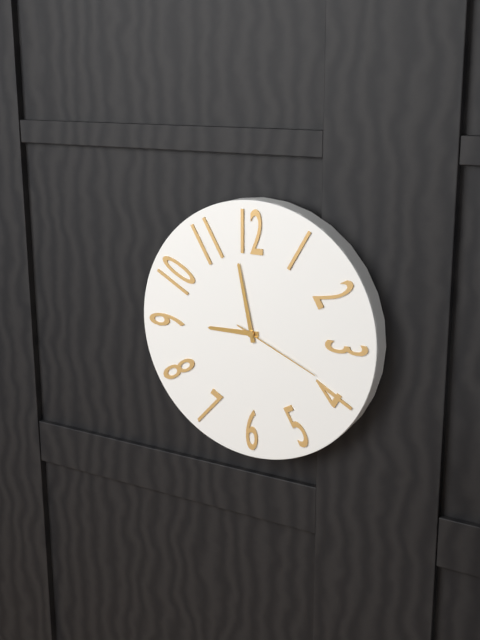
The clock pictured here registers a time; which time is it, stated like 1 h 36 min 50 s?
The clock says 8 h 58 min 19 s
